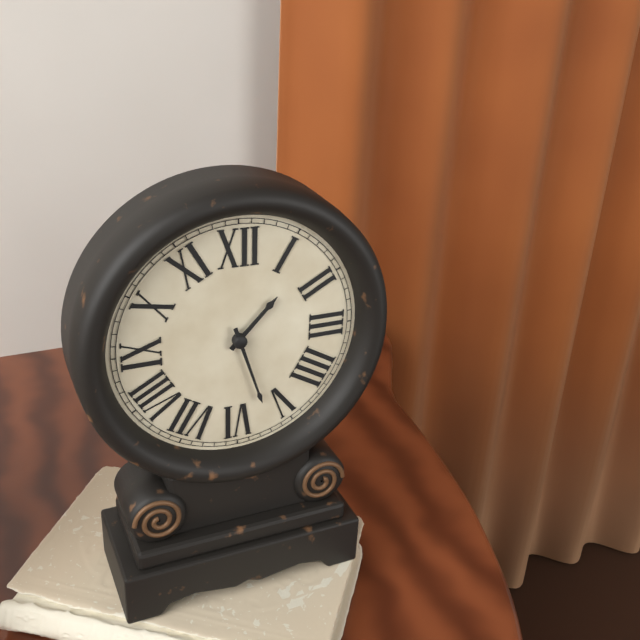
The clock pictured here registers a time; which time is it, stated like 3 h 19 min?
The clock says 1 h 27 min
